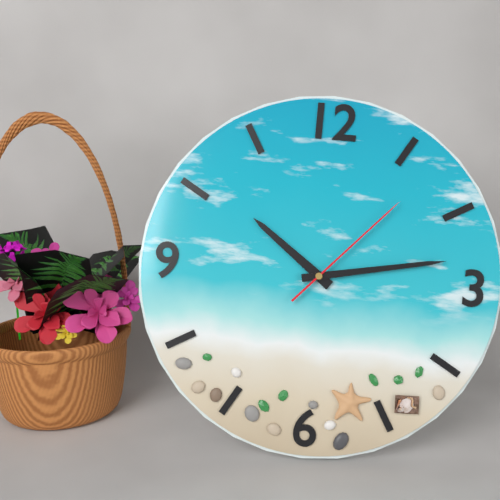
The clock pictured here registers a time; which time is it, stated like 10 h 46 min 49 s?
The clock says 10 h 13 min 07 s
